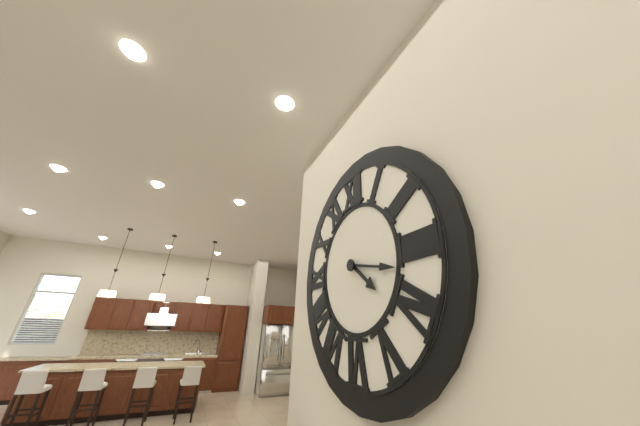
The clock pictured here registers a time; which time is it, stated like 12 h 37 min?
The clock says 4 h 17 min
